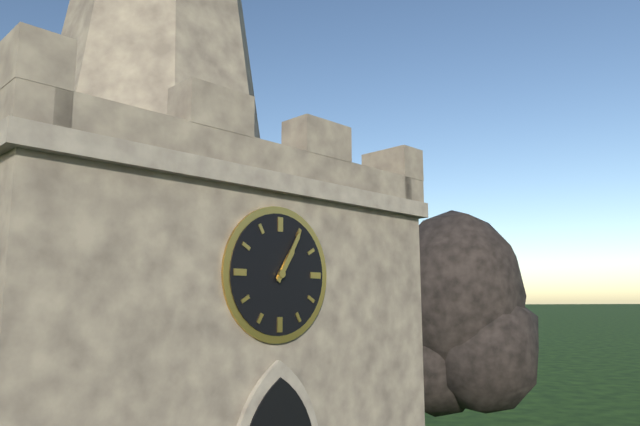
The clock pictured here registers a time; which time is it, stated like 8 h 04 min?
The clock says 1 h 05 min
